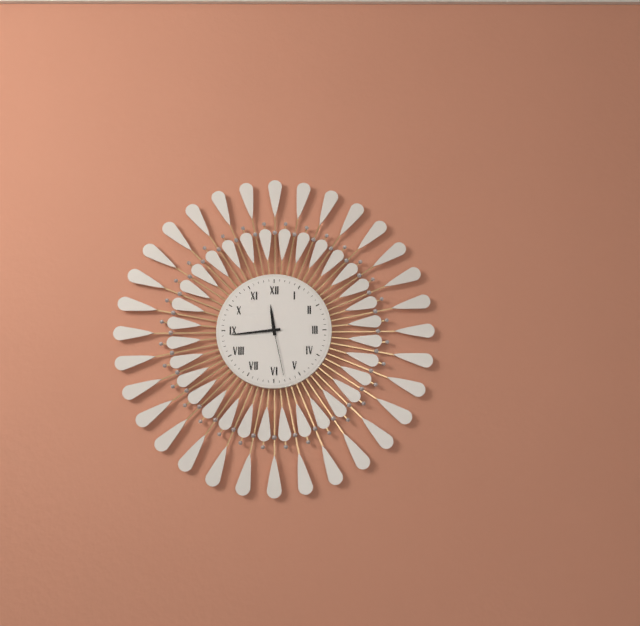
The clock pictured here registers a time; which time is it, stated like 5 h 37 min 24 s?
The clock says 11 h 44 min 28 s
